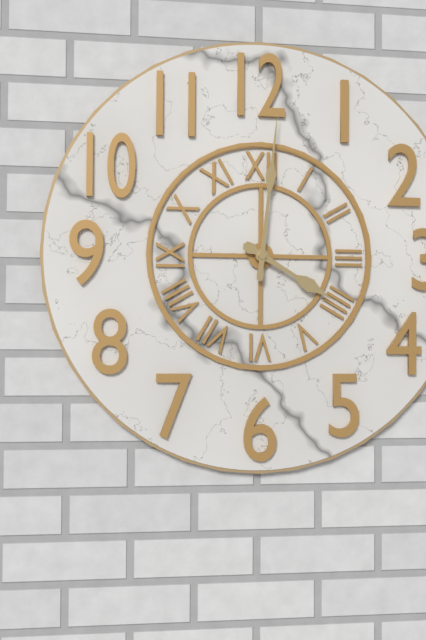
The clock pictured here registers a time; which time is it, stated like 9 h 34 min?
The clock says 4 h 01 min
